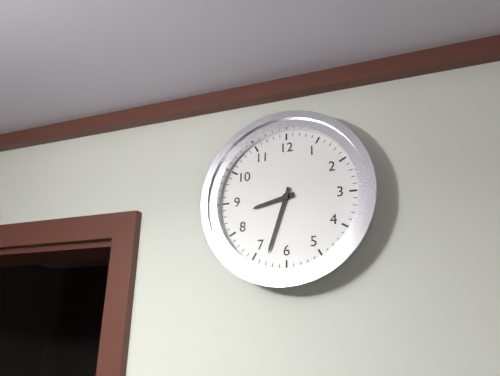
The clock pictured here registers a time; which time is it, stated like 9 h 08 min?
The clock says 8 h 33 min
